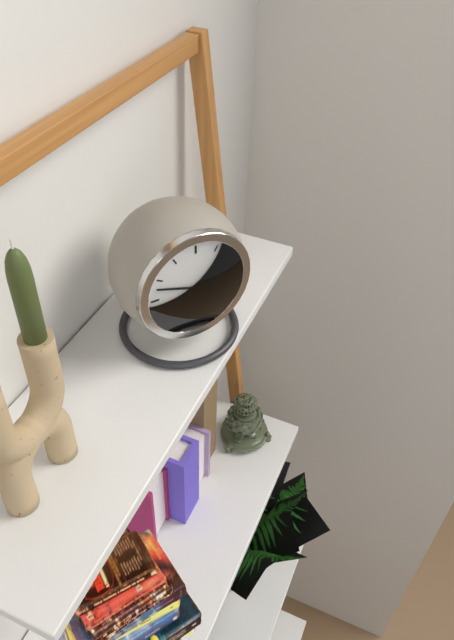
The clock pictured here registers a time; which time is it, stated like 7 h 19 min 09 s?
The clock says 7 h 48 min 37 s
